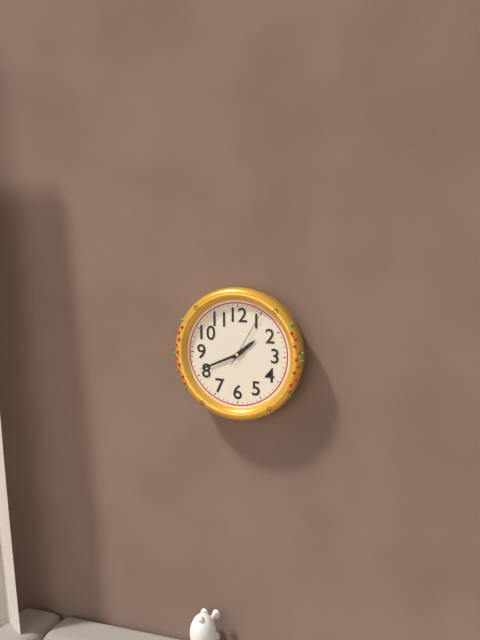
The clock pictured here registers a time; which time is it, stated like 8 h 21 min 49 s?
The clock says 1 h 41 min 05 s
